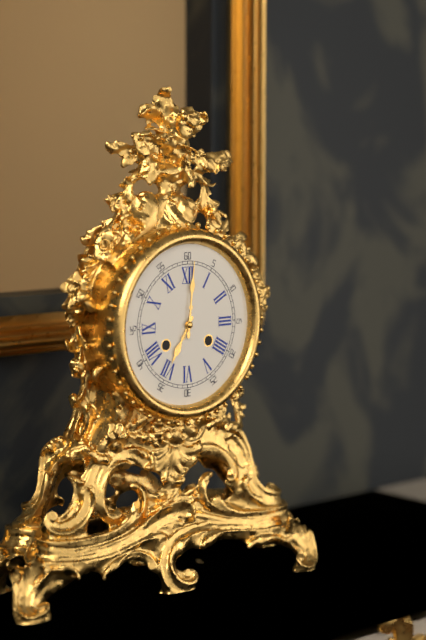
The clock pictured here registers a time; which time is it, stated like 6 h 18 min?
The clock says 7 h 01 min
